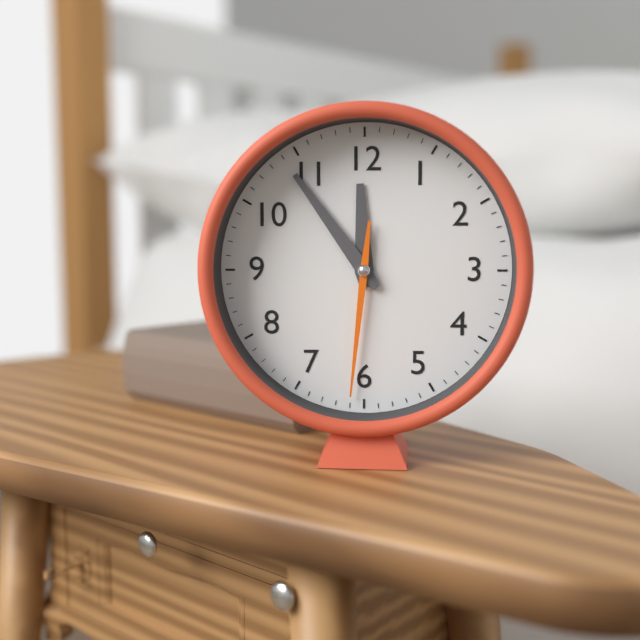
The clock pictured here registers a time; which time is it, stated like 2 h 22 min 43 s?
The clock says 11 h 54 min 31 s
